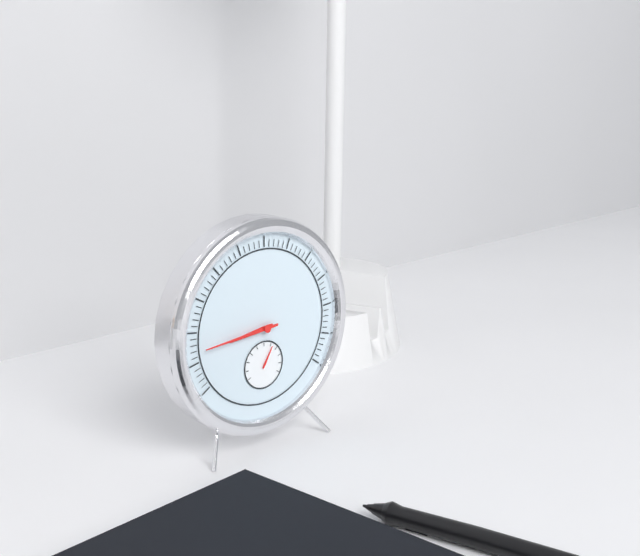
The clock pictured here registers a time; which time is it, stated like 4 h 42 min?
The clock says 8 h 44 min
